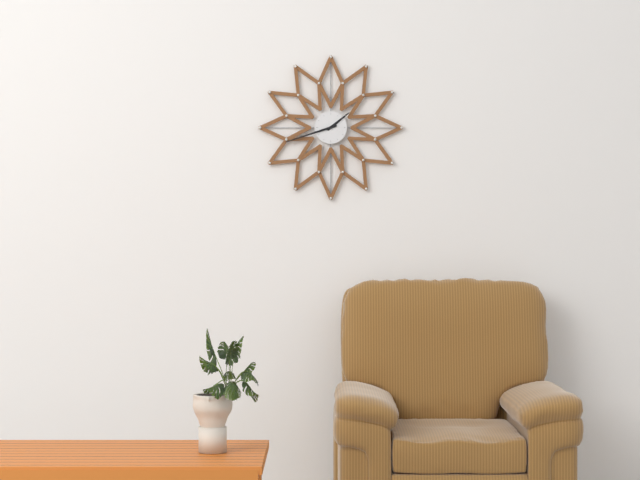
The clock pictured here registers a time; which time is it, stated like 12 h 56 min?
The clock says 1 h 42 min
